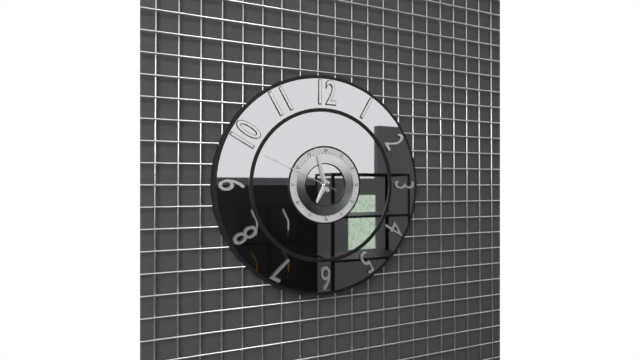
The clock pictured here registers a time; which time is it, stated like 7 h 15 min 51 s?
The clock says 6 h 57 min 49 s
